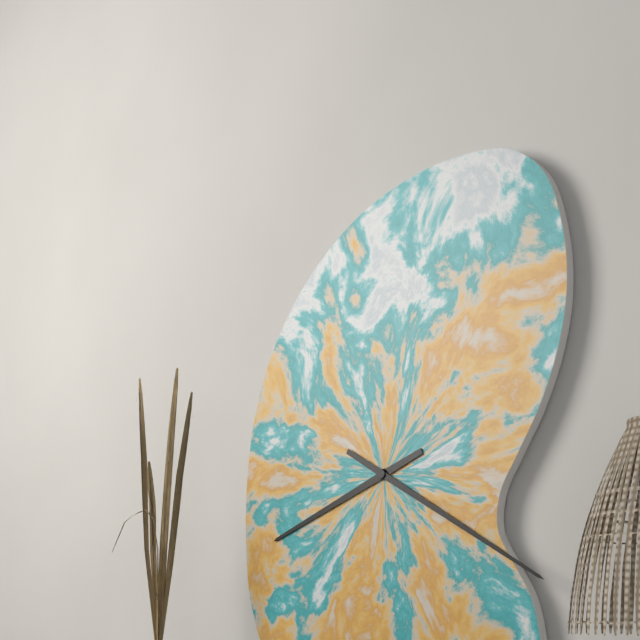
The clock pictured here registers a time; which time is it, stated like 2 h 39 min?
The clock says 8 h 20 min
